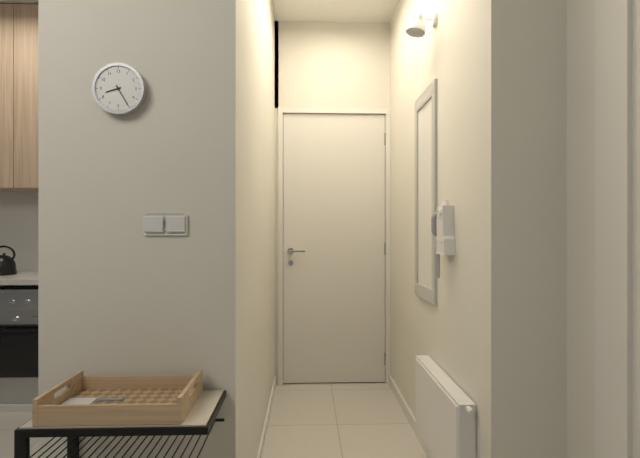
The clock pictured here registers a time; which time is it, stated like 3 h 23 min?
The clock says 8 h 25 min
